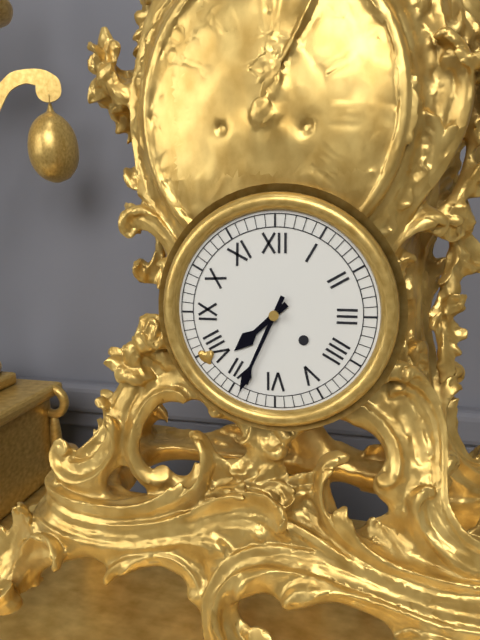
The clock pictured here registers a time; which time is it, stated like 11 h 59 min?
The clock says 7 h 34 min
